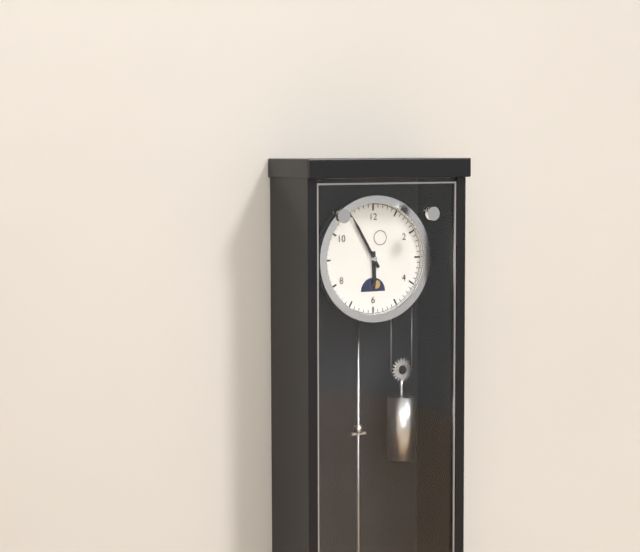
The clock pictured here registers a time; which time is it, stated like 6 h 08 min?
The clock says 5 h 55 min
